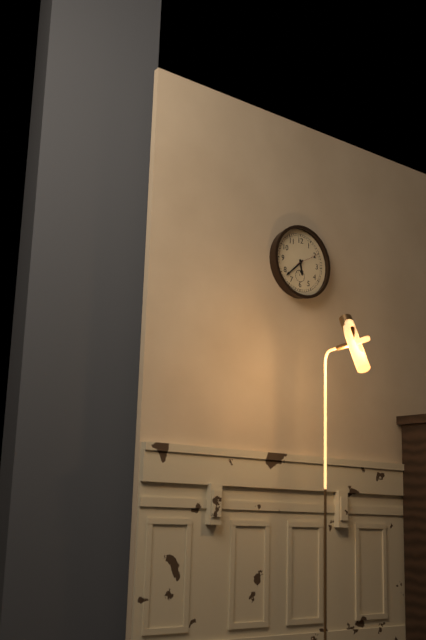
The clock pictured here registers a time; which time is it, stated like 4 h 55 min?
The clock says 5 h 38 min
